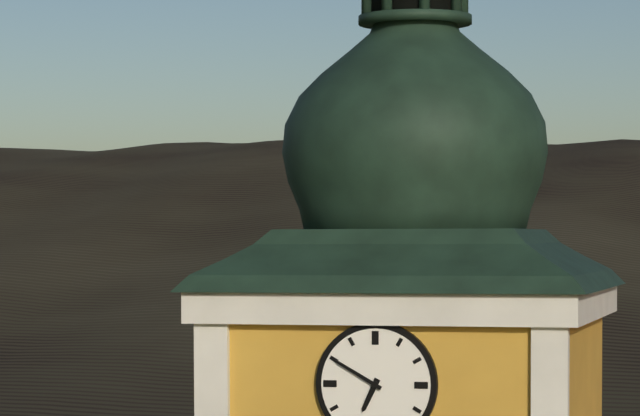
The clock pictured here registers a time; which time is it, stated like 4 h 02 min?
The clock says 6 h 50 min
